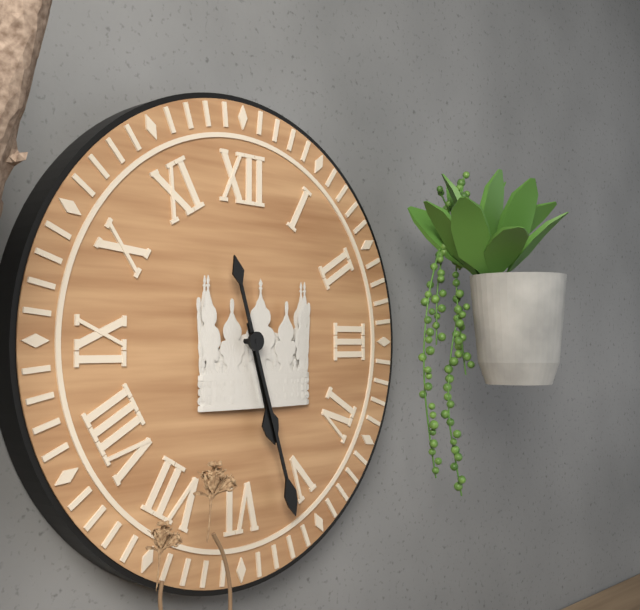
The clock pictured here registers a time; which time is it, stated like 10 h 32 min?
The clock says 5 h 27 min
